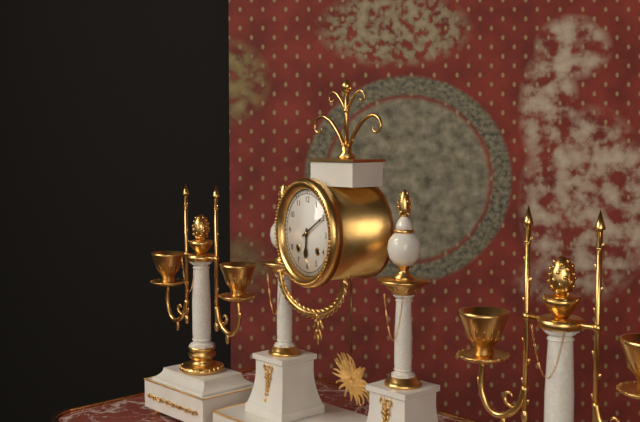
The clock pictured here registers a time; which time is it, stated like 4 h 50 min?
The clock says 6 h 10 min
